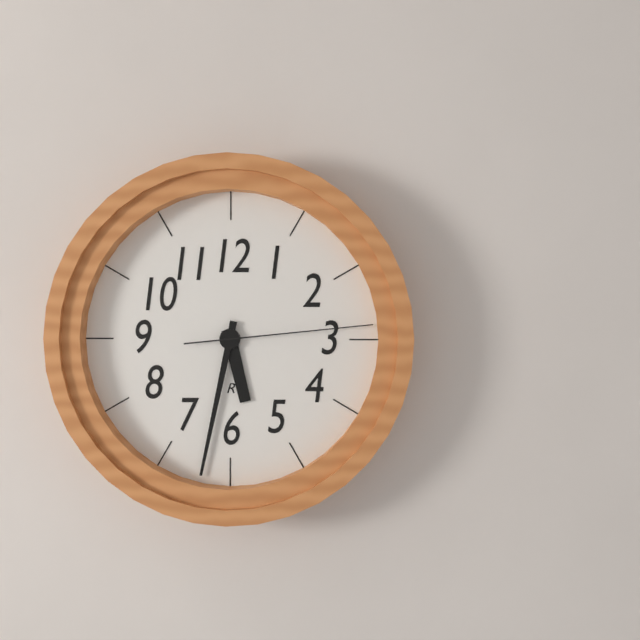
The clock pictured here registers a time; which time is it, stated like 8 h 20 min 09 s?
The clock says 5 h 32 min 14 s
